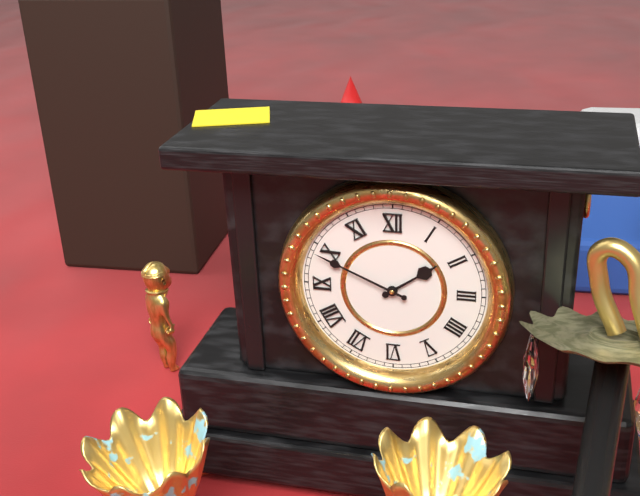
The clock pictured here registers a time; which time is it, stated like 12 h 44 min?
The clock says 1 h 49 min
